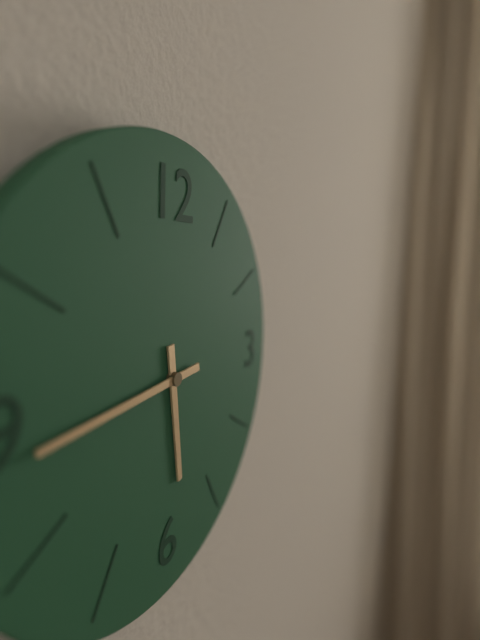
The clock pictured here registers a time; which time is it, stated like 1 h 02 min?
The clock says 5 h 44 min
